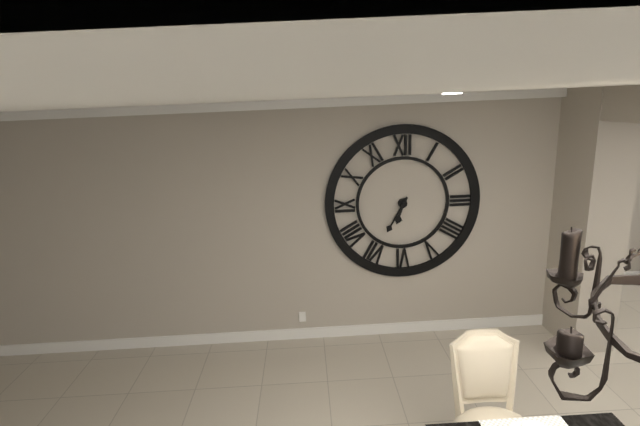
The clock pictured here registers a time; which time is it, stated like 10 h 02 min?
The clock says 6 h 35 min
